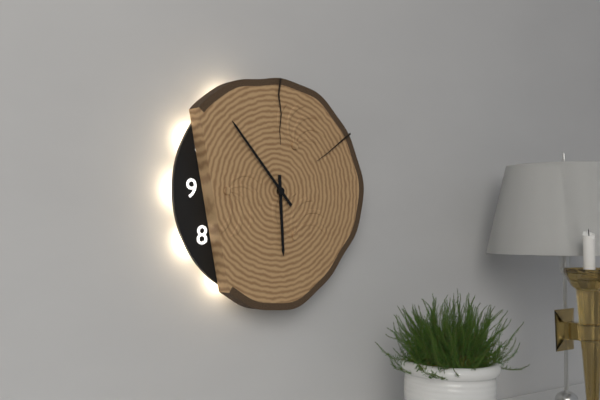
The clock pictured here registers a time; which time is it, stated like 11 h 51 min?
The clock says 5 h 53 min
